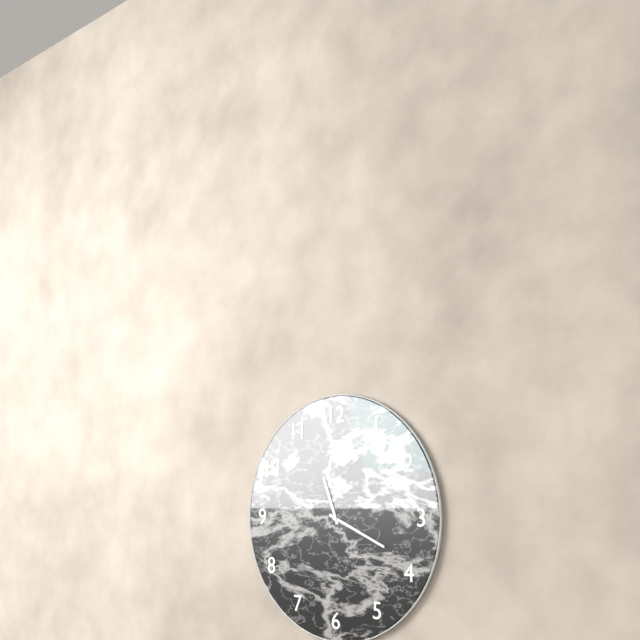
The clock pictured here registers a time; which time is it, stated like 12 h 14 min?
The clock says 11 h 19 min
